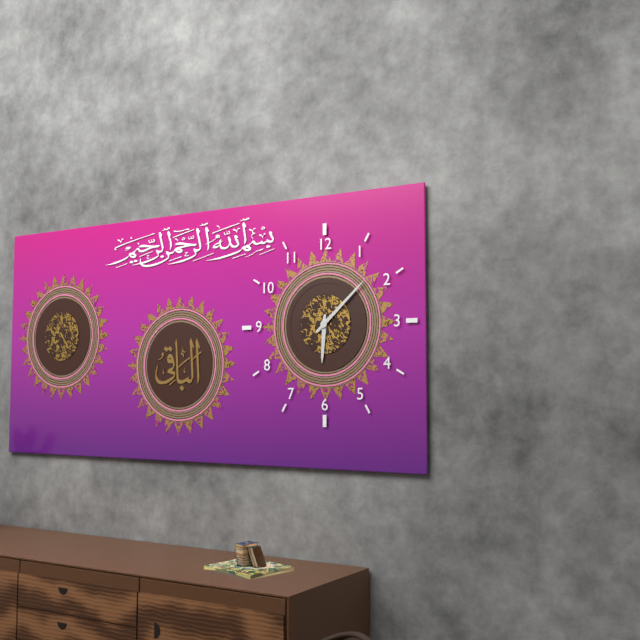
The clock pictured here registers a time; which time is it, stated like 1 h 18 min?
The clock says 6 h 08 min
